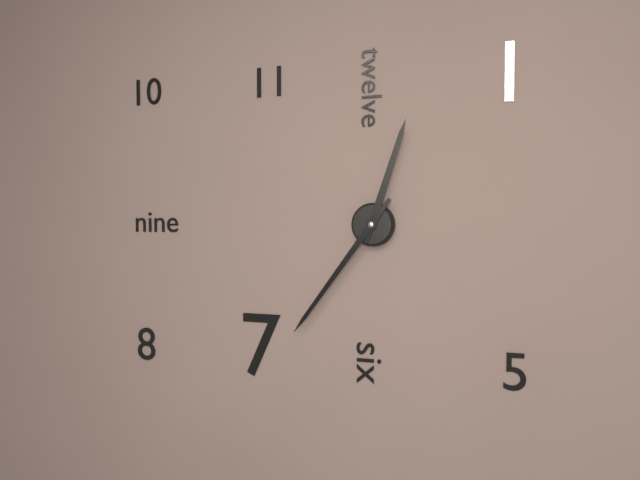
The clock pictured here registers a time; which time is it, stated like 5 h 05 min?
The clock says 12 h 36 min
